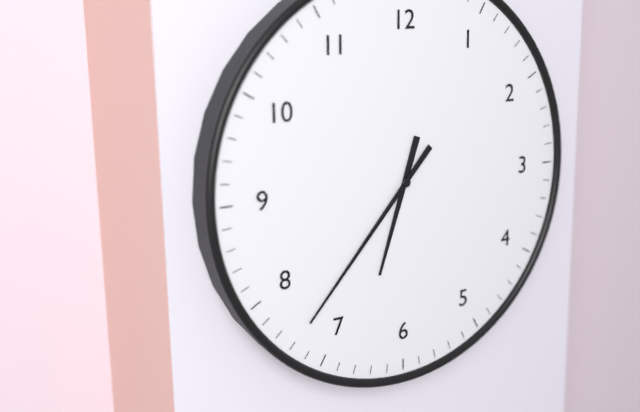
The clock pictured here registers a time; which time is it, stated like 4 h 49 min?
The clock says 6 h 37 min
